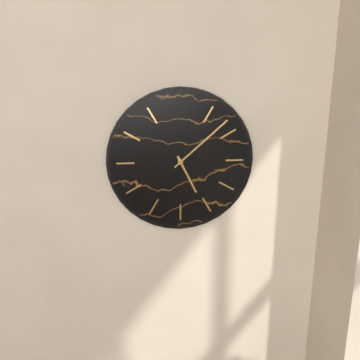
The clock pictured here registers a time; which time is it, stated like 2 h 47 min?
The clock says 5 h 08 min
